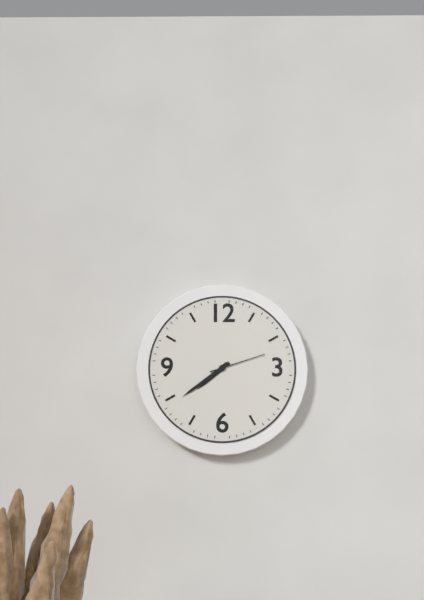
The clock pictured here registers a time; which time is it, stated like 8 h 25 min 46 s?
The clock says 7 h 39 min 12 s
